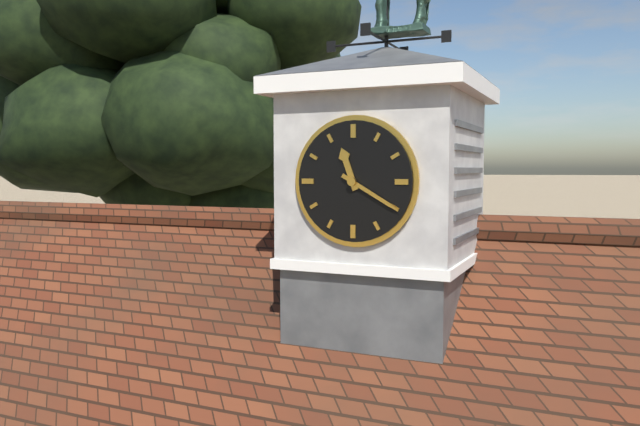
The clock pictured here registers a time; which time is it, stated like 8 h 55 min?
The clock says 11 h 20 min
